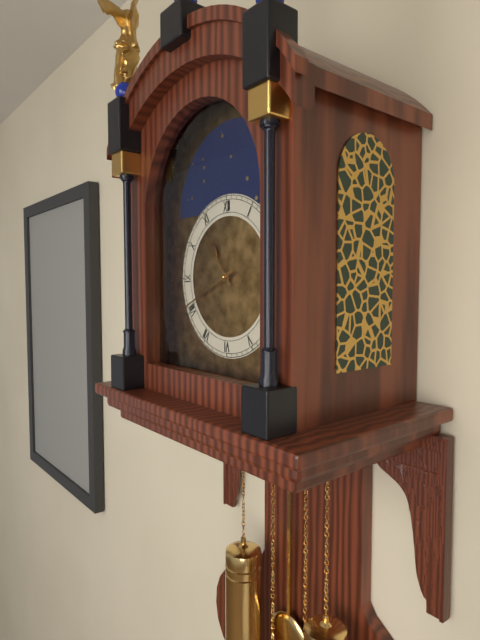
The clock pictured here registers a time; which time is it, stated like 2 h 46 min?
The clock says 10 h 41 min
